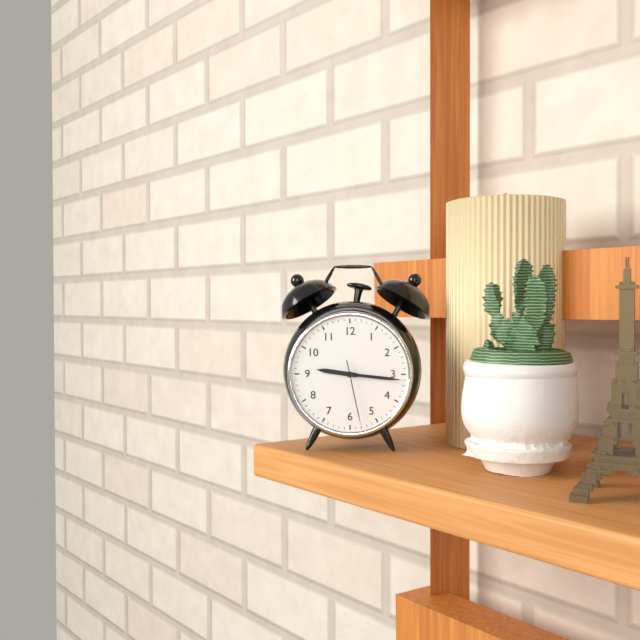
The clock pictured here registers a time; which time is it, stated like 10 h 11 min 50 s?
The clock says 9 h 16 min 28 s
